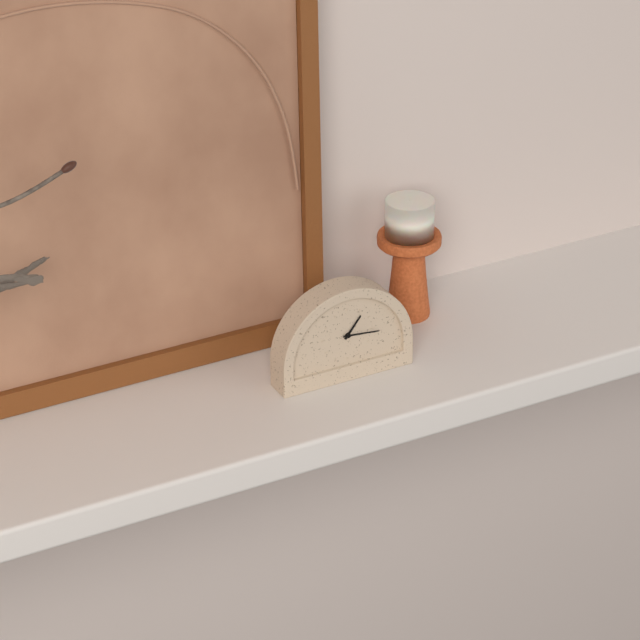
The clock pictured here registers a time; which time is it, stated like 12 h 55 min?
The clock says 1 h 16 min
